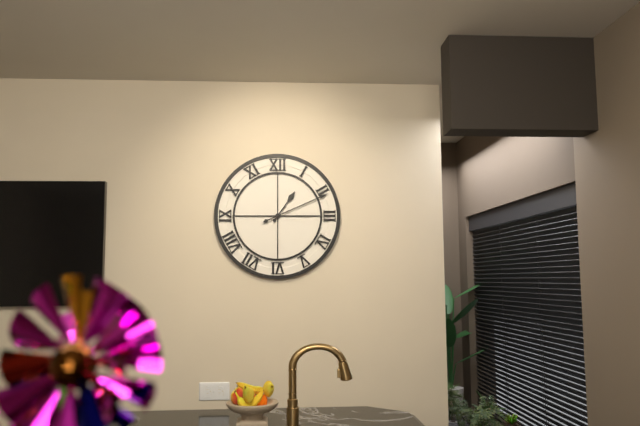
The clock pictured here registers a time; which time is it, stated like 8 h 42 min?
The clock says 1 h 11 min
